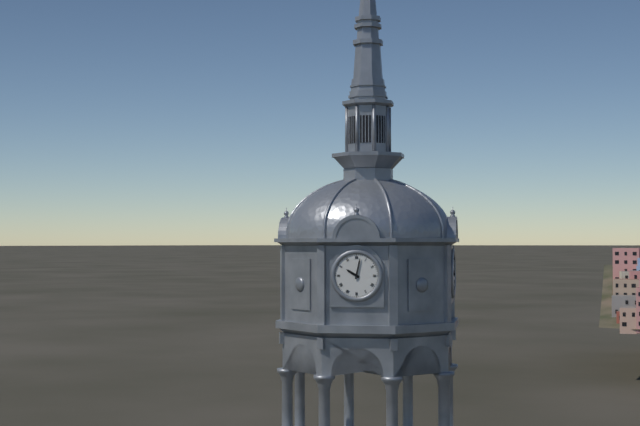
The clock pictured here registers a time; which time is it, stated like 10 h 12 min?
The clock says 10 h 02 min
